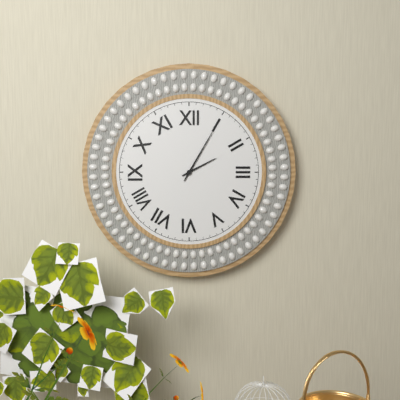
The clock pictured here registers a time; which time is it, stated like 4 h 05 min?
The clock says 2 h 05 min
